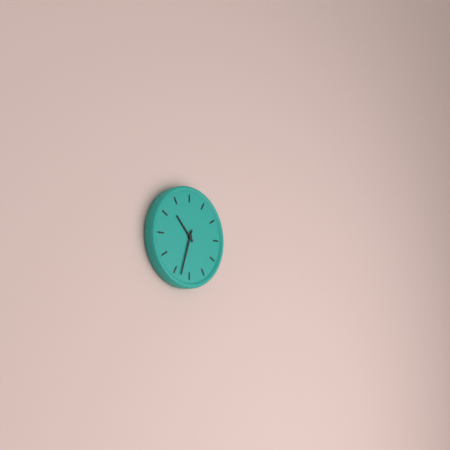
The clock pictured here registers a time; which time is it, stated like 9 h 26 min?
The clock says 10 h 33 min
